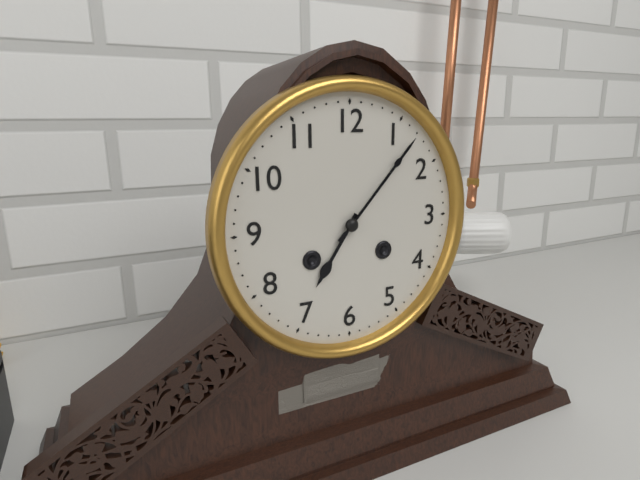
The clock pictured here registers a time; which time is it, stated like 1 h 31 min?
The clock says 7 h 07 min
